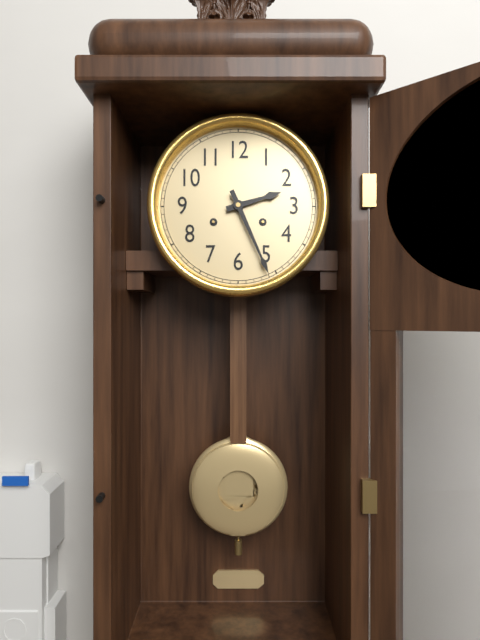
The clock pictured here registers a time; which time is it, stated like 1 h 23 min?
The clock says 2 h 26 min
